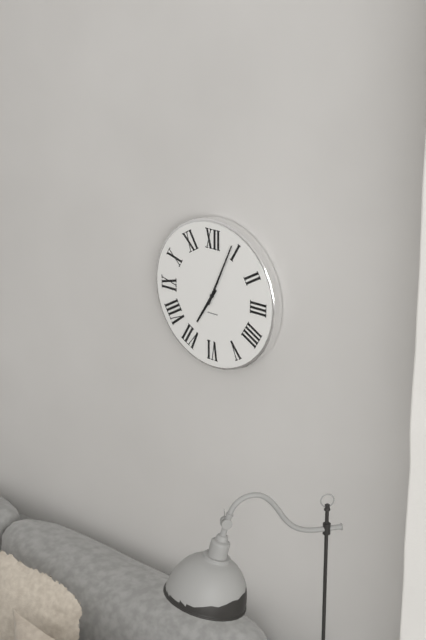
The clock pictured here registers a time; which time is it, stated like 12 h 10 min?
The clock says 7 h 04 min
